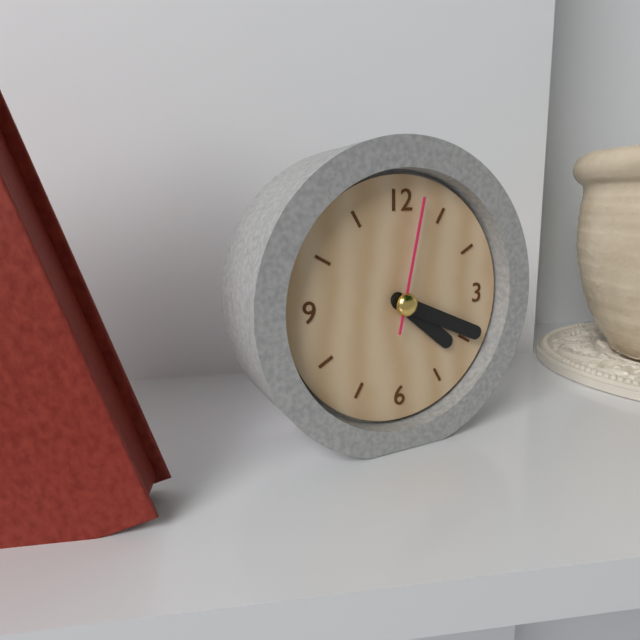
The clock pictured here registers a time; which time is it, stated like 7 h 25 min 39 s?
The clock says 4 h 19 min 02 s
